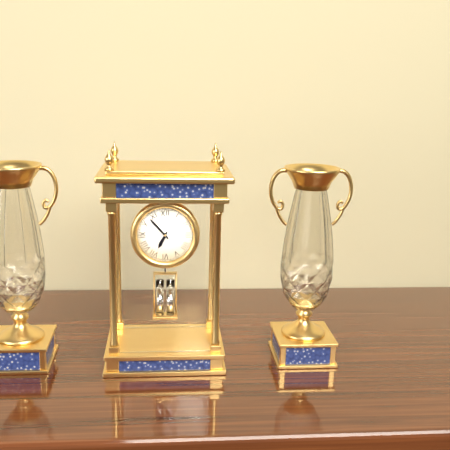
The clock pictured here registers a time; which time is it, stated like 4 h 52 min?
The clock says 6 h 53 min
